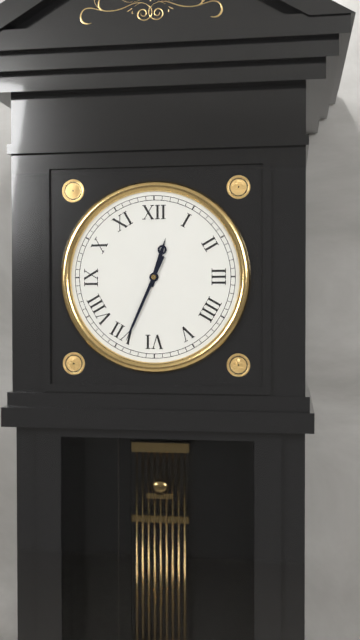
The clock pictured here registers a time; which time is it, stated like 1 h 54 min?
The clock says 12 h 34 min
